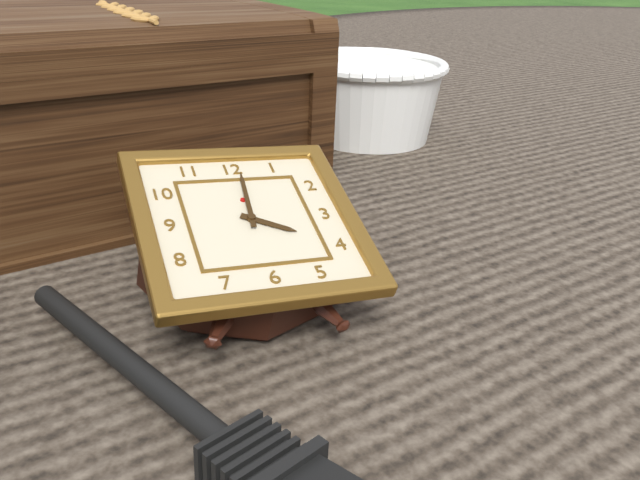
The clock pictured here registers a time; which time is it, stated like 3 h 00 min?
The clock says 4 h 01 min
